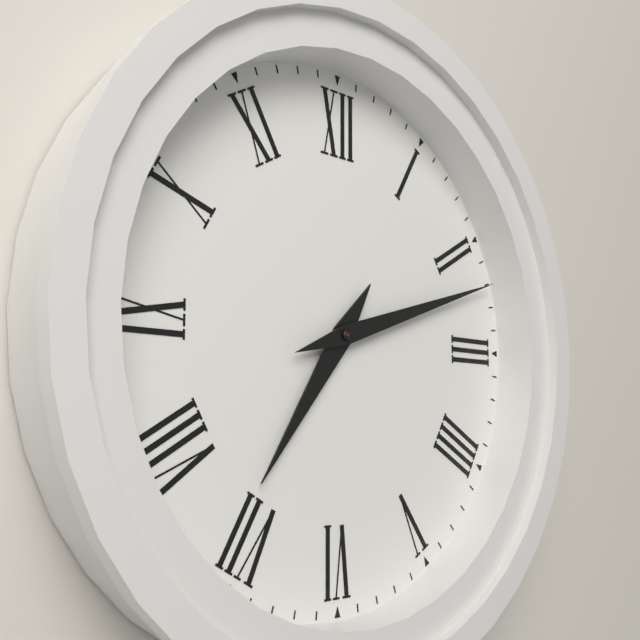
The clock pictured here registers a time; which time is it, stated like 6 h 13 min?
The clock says 7 h 12 min
